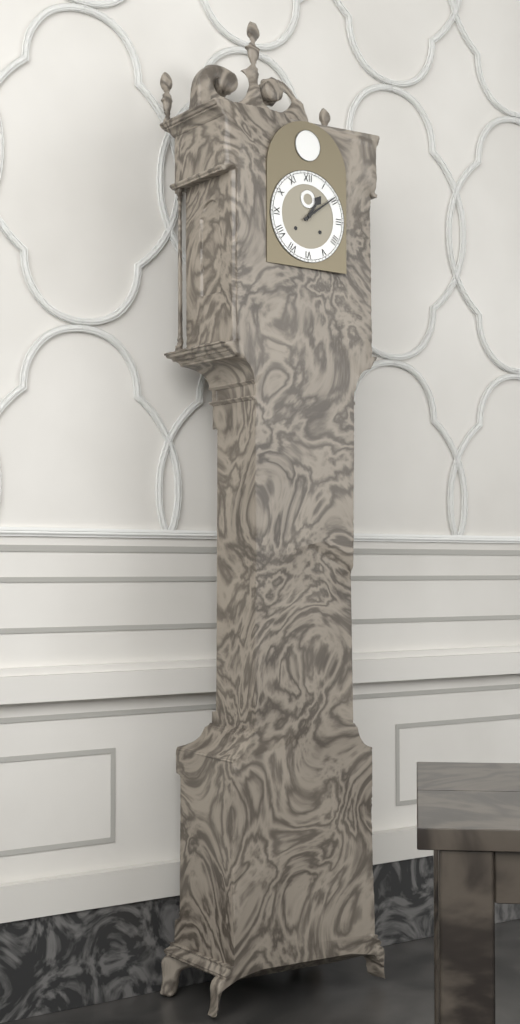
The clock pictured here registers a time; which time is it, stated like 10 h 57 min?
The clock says 1 h 09 min
